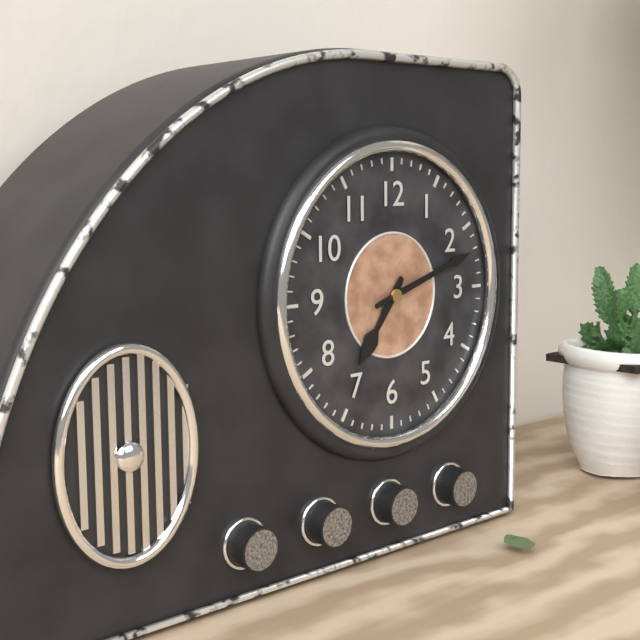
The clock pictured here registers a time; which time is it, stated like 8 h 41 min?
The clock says 7 h 12 min
